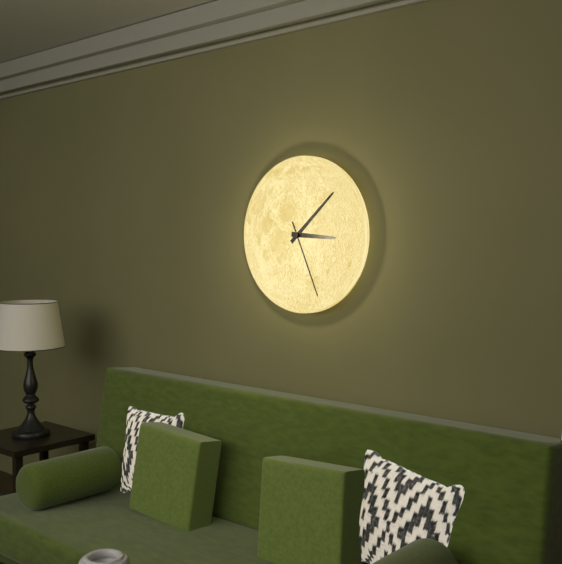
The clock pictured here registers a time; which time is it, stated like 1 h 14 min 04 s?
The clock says 3 h 08 min 26 s
